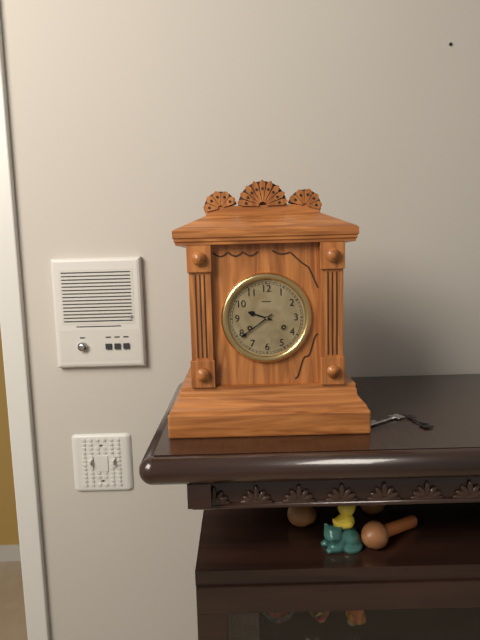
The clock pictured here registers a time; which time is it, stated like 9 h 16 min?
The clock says 9 h 39 min
